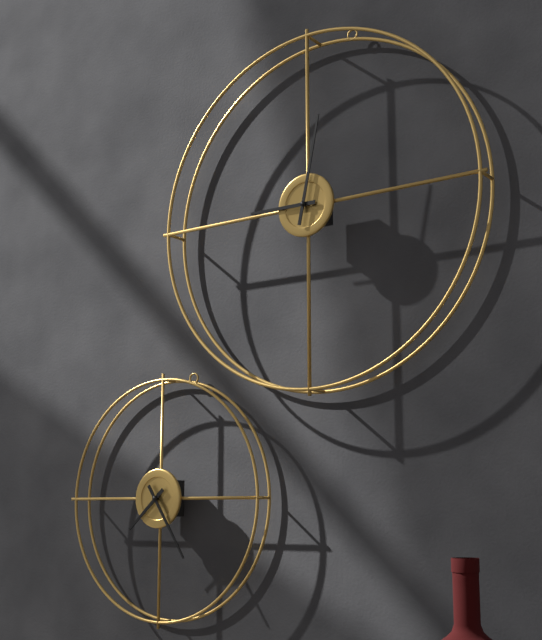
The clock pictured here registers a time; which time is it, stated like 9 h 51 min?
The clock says 9 h 02 min
